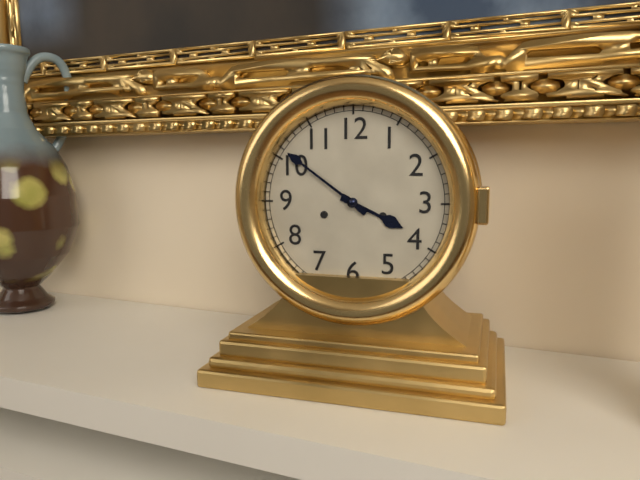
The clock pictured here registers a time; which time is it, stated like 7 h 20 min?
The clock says 3 h 51 min
